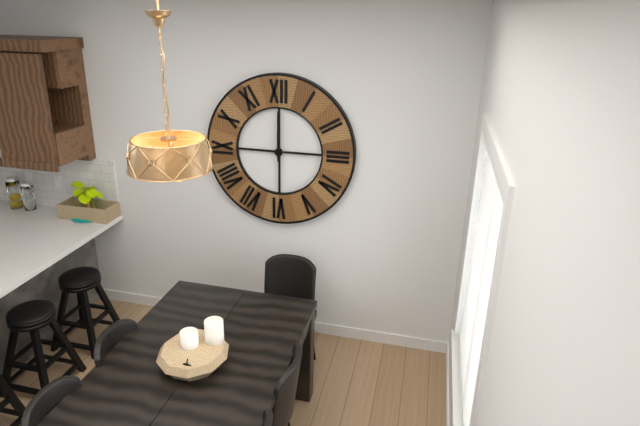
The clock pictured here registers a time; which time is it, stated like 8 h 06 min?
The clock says 12 h 00 min
